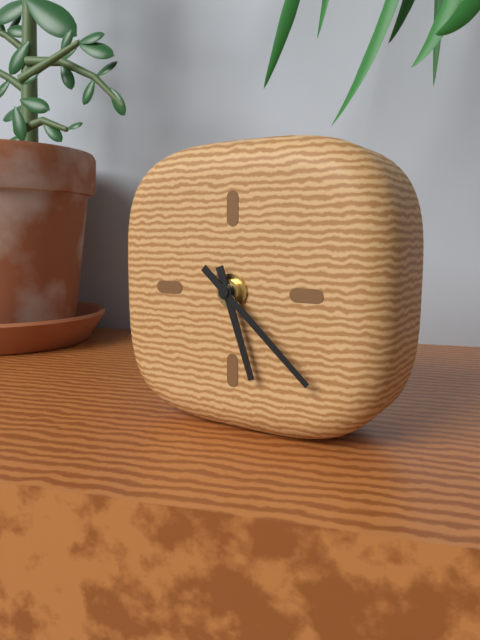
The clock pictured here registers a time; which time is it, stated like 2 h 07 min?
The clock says 5 h 22 min
